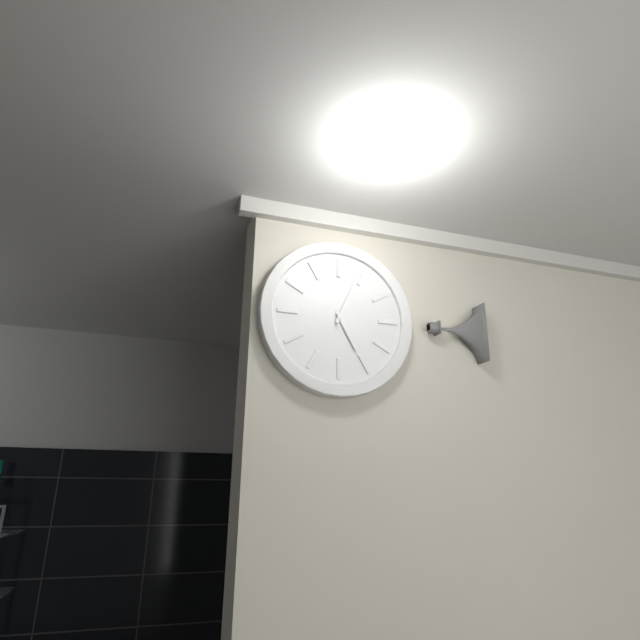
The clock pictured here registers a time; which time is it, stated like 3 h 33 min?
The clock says 5 h 04 min
